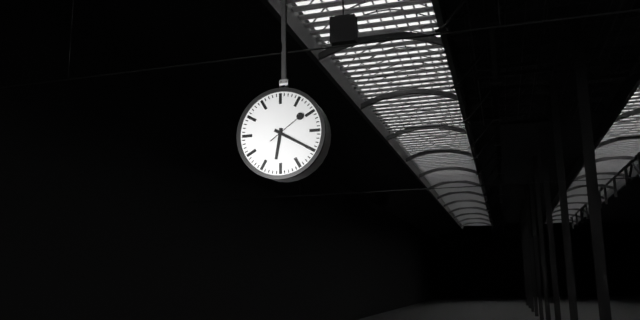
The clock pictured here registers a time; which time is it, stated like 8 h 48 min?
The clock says 6 h 20 min
